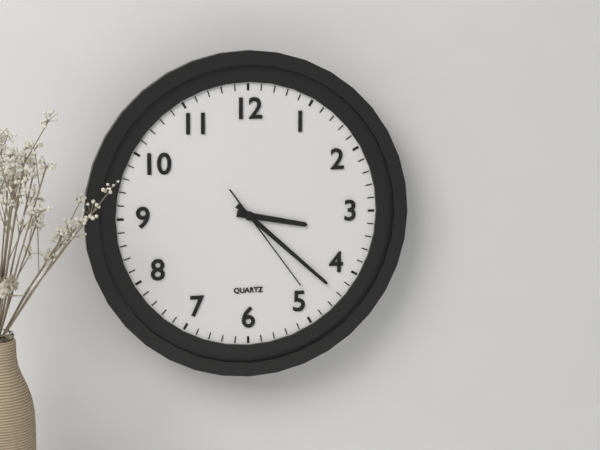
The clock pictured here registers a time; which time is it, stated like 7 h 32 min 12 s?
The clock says 3 h 22 min 24 s
